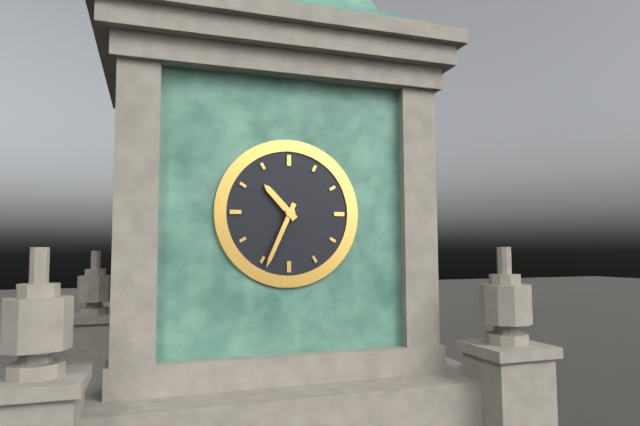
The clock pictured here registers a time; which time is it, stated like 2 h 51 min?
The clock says 10 h 34 min
